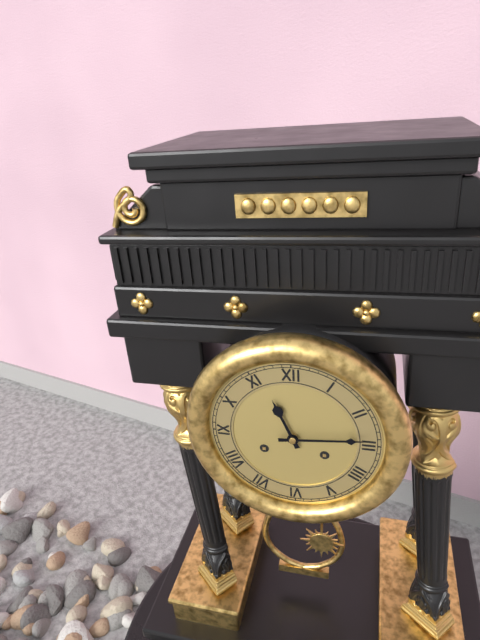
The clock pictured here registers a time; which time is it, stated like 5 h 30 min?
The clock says 11 h 14 min
